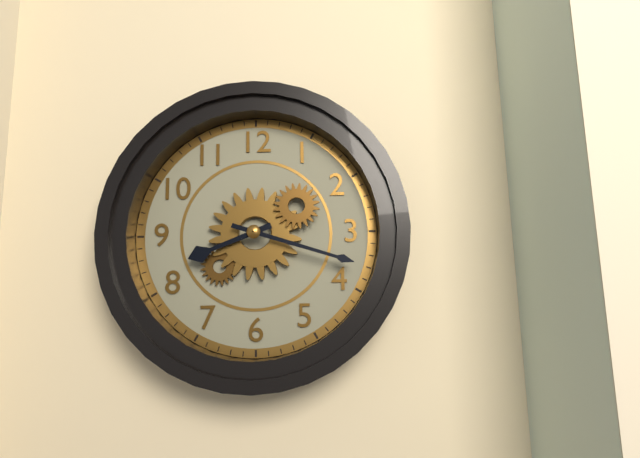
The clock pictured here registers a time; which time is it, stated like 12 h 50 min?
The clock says 8 h 18 min
